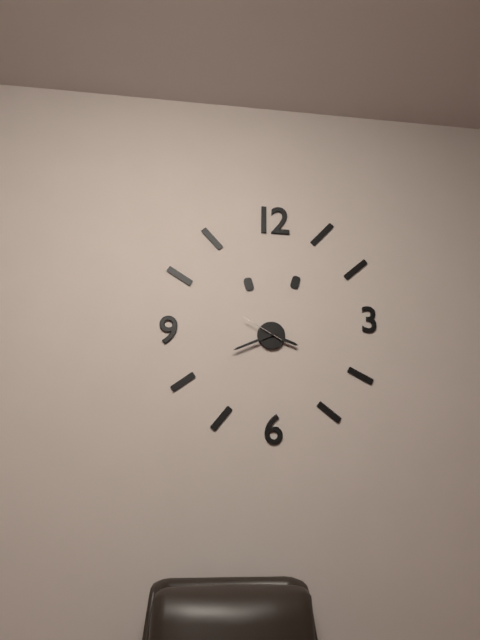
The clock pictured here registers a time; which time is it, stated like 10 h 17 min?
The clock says 3 h 41 min
